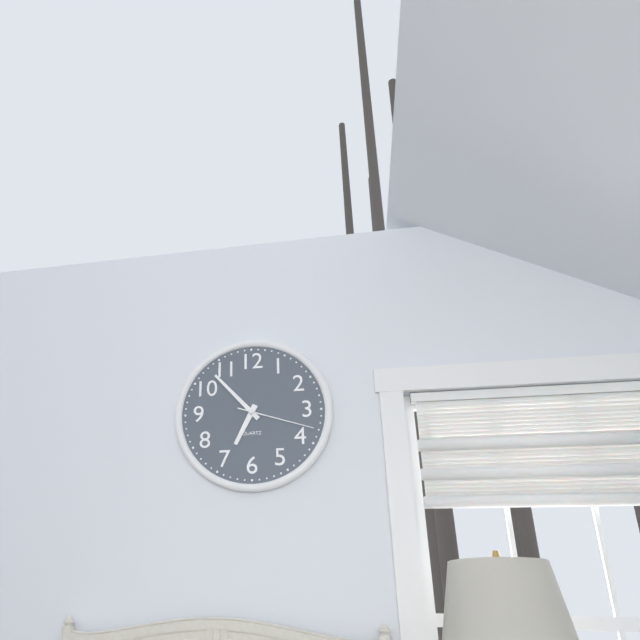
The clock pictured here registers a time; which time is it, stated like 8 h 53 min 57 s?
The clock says 6 h 53 min 18 s
